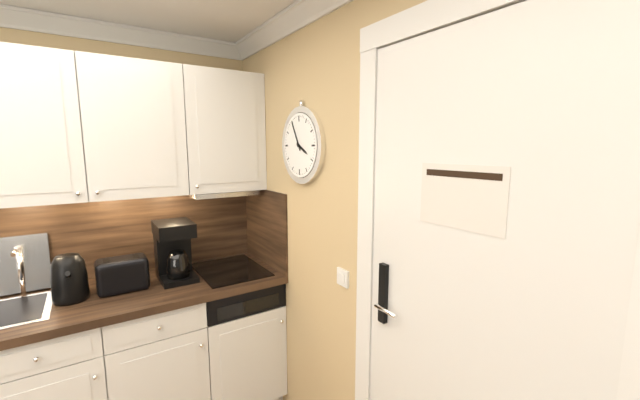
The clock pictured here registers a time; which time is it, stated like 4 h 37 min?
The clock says 3 h 55 min
